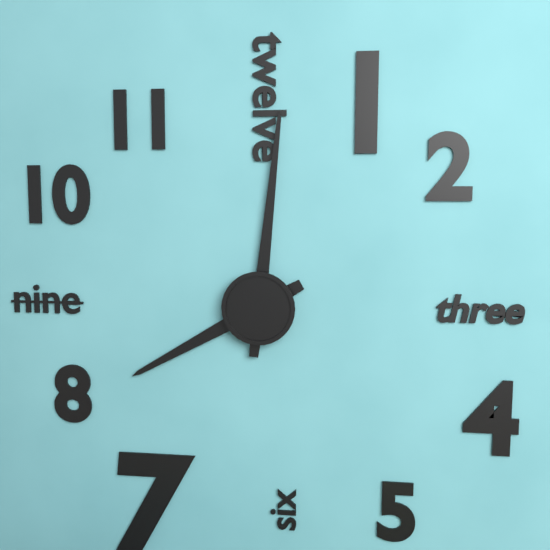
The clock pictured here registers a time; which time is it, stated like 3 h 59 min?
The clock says 8 h 01 min
